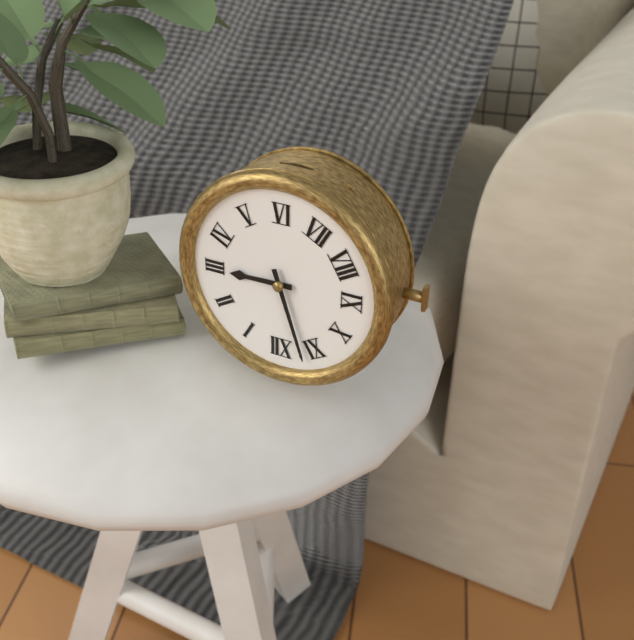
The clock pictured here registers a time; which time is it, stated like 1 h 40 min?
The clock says 2 h 57 min
